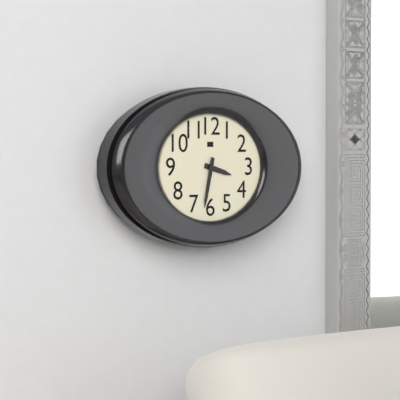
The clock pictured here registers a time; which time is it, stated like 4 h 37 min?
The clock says 3 h 32 min
